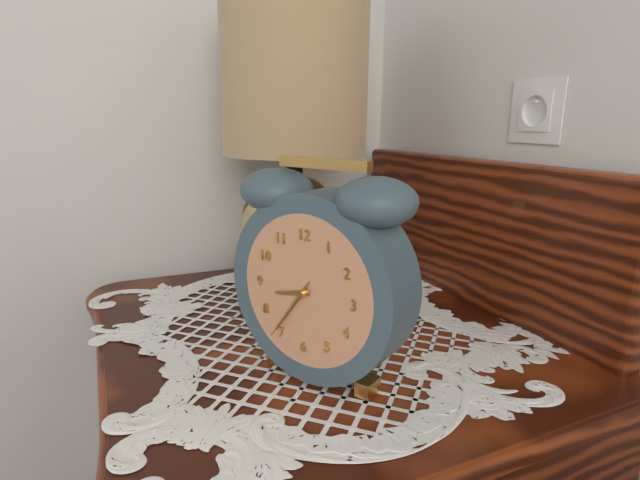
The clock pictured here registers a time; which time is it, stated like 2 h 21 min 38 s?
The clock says 8 h 36 min 36 s
